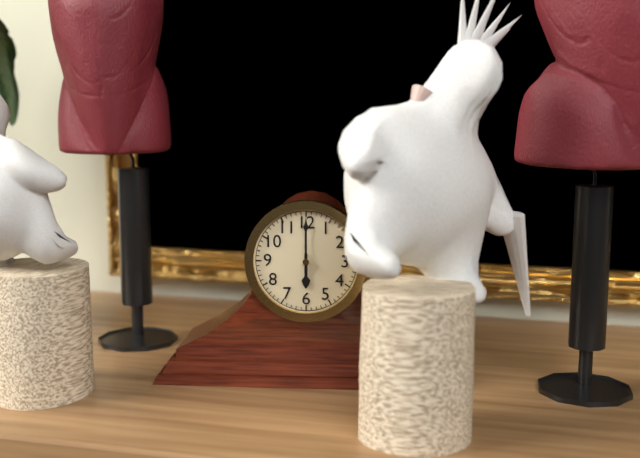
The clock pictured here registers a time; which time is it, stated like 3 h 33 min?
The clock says 6 h 00 min
